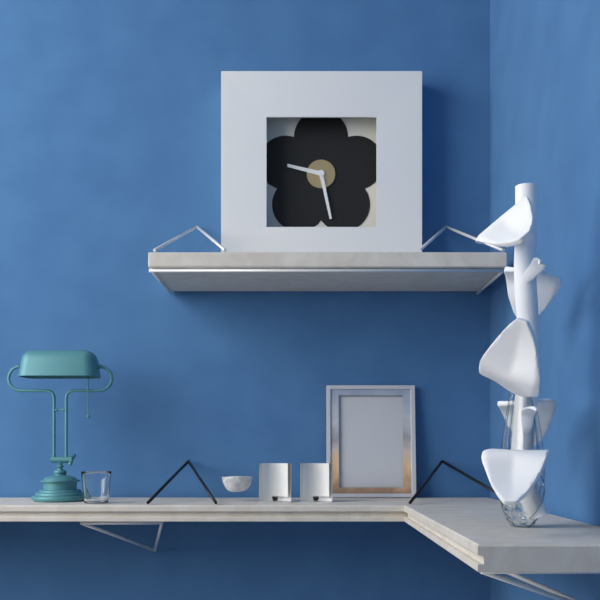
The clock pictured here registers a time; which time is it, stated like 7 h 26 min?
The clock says 9 h 28 min
